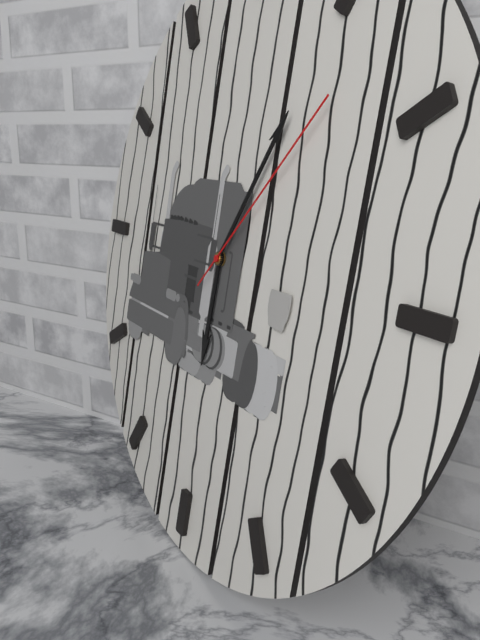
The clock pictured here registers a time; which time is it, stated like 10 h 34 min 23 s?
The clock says 6 h 05 min 07 s
